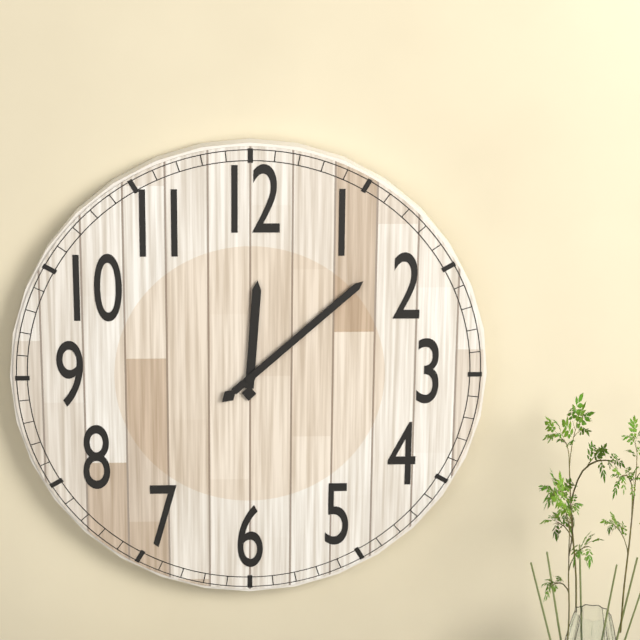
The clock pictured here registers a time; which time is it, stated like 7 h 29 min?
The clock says 12 h 08 min
